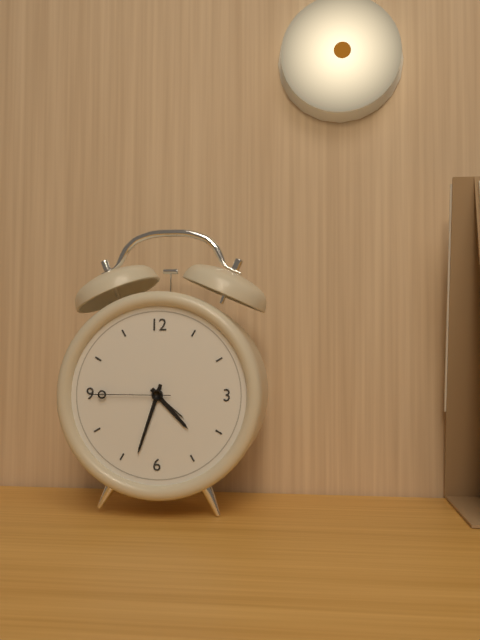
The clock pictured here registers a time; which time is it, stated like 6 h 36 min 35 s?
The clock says 4 h 33 min 45 s
